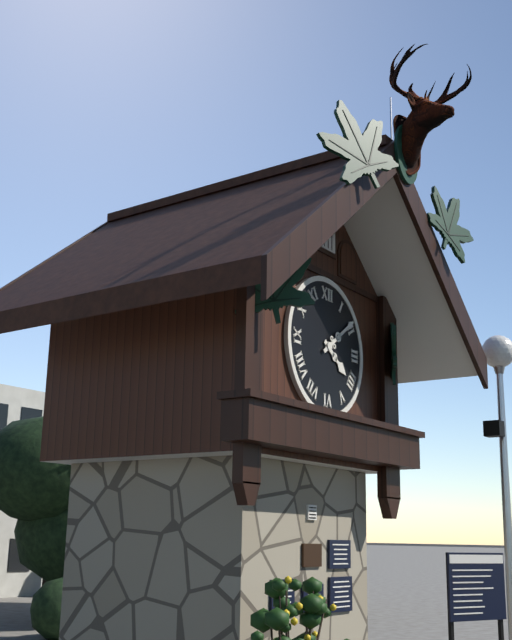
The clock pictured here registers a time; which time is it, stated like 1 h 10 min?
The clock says 4 h 09 min
